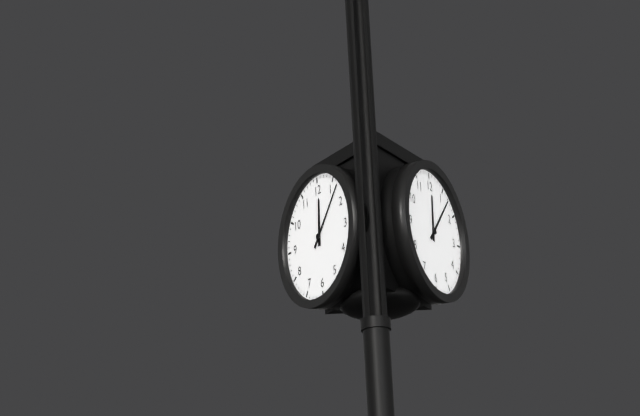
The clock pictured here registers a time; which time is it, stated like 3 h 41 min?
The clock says 12 h 07 min
